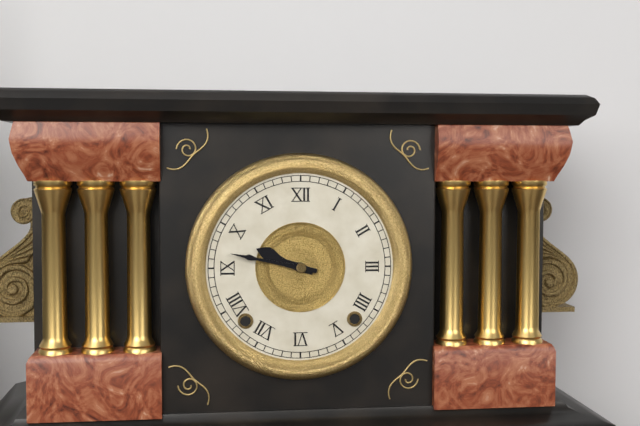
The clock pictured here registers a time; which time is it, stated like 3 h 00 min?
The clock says 9 h 47 min
